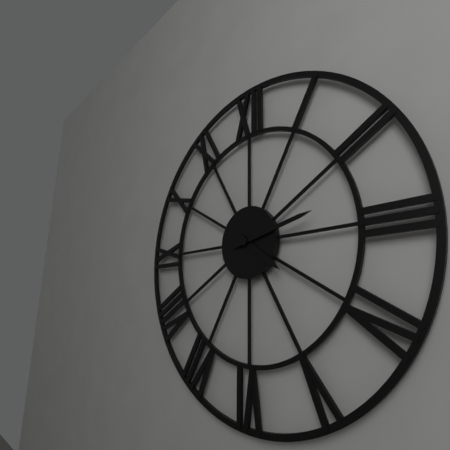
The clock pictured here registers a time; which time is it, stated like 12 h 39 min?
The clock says 4 h 13 min
